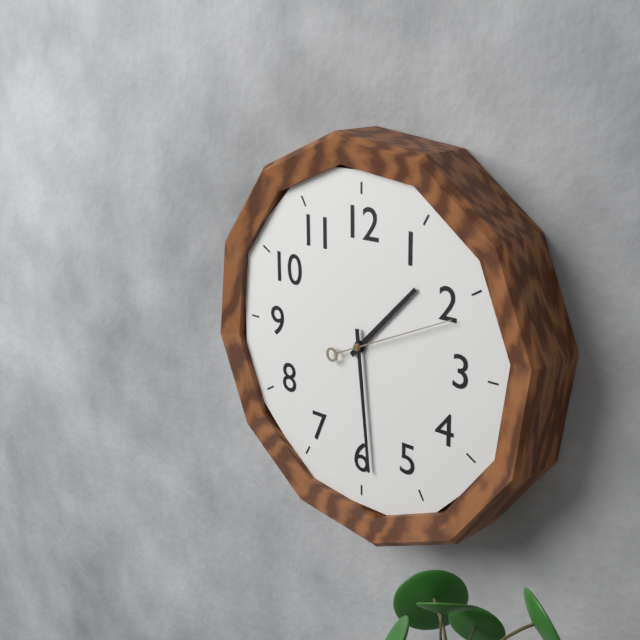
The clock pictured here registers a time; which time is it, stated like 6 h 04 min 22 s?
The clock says 1 h 29 min 11 s
